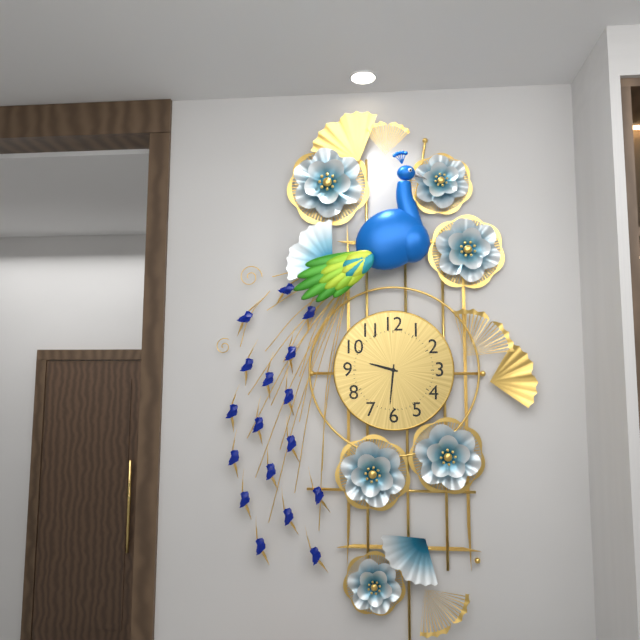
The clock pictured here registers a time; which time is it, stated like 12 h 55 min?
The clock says 9 h 31 min
